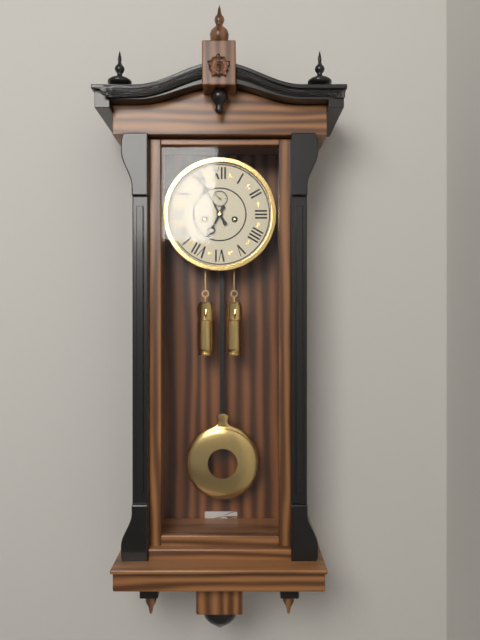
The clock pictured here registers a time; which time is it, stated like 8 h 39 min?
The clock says 6 h 55 min
